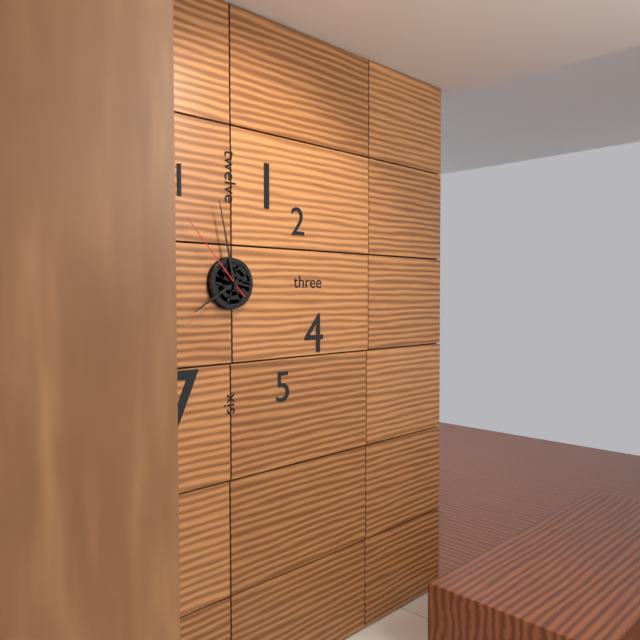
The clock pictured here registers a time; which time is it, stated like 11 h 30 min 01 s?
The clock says 7 h 58 min 53 s
